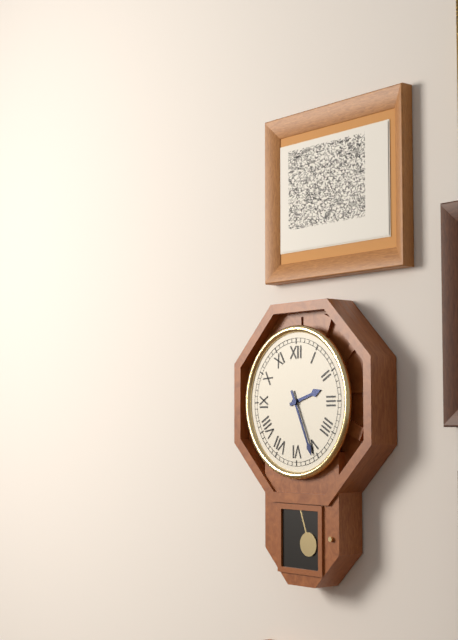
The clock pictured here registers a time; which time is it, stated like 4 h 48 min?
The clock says 2 h 26 min
